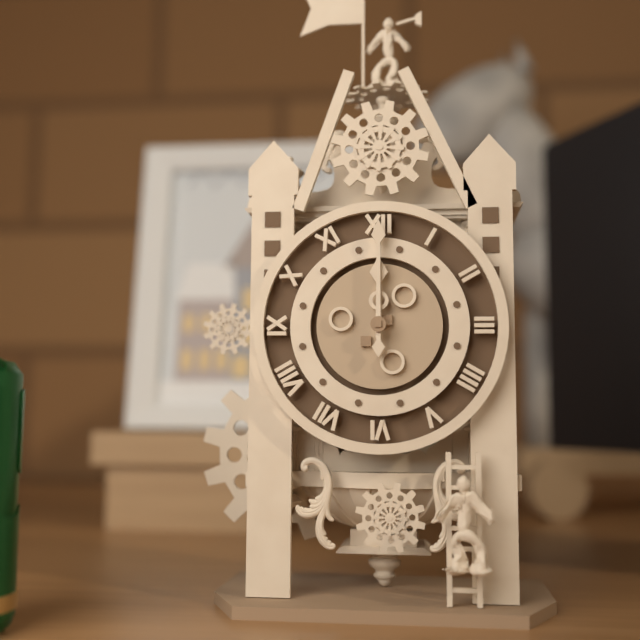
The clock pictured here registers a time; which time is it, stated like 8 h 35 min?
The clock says 12 h 00 min
